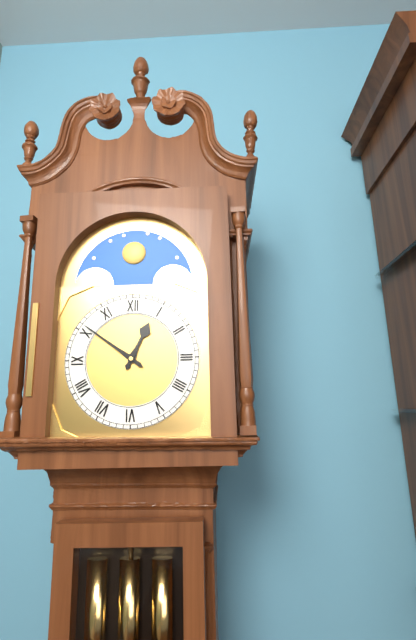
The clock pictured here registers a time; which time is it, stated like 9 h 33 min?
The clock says 12 h 51 min
